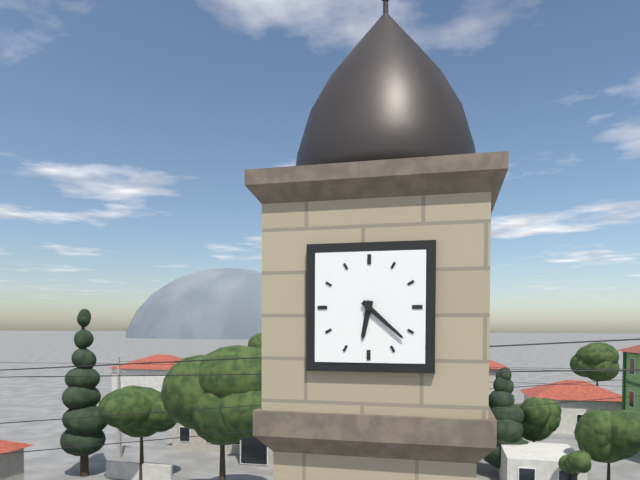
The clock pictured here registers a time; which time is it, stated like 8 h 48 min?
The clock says 6 h 22 min
